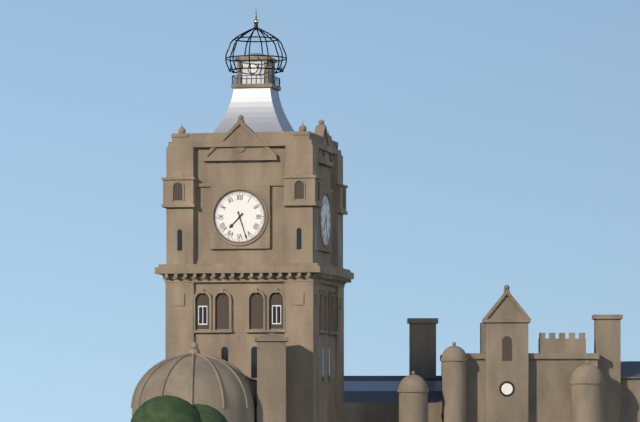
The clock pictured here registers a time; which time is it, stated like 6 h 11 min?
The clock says 7 h 27 min
